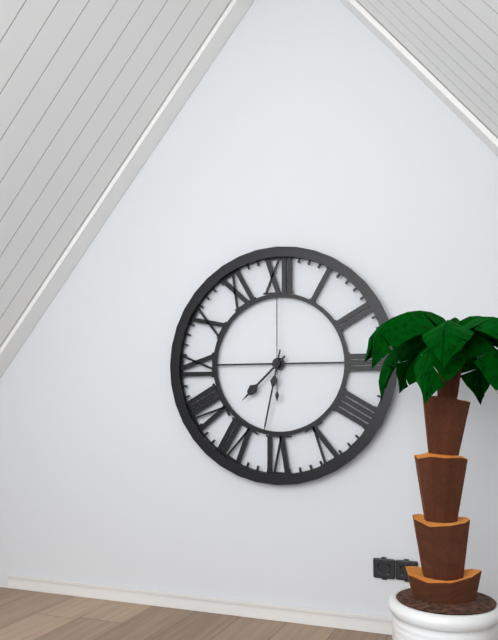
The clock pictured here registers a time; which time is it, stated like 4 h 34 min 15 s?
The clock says 7 h 32 min 00 s
